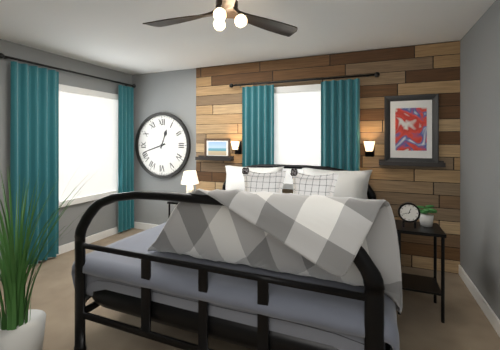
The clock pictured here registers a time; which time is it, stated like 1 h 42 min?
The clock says 12 h 42 min
